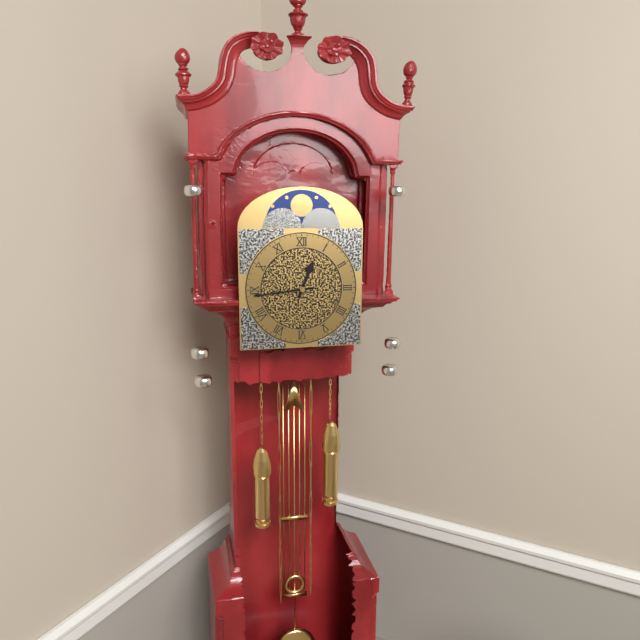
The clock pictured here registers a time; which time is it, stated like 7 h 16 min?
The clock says 12 h 44 min
